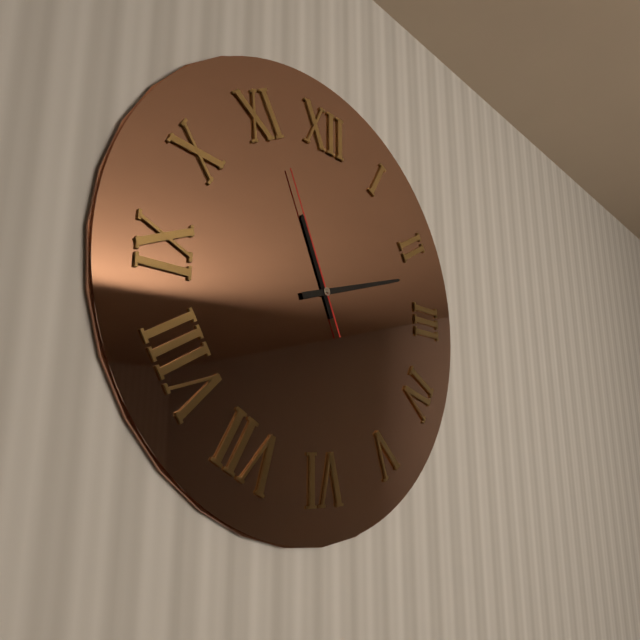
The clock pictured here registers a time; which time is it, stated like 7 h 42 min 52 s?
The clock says 11 h 12 min 56 s
